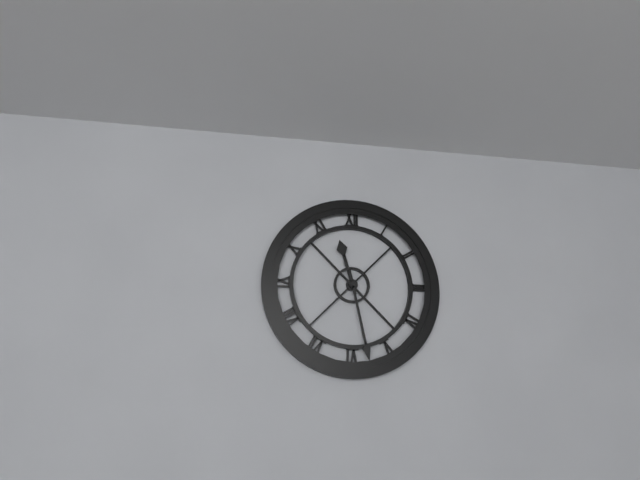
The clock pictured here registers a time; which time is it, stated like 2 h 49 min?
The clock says 11 h 28 min
